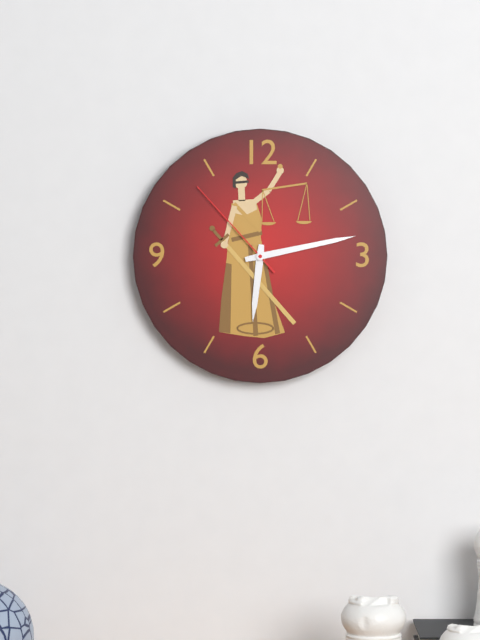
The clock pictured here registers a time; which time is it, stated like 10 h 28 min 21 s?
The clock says 6 h 13 min 53 s
